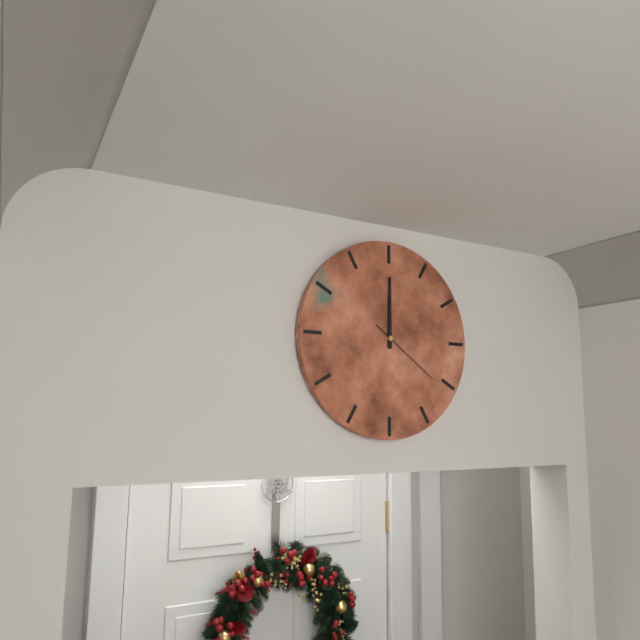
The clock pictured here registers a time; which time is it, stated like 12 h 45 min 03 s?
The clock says 12 h 00 min 21 s
